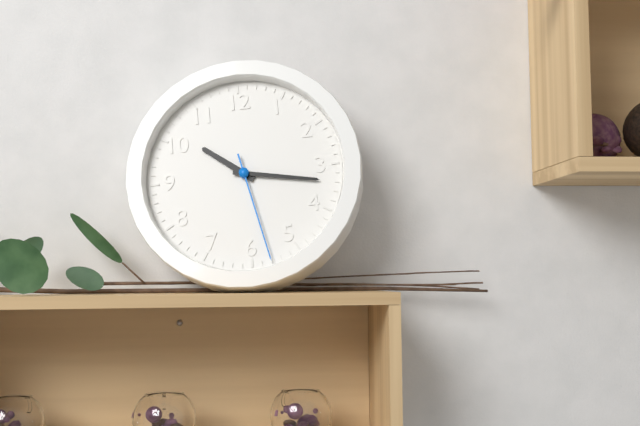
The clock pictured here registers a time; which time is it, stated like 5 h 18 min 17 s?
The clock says 10 h 17 min 28 s
